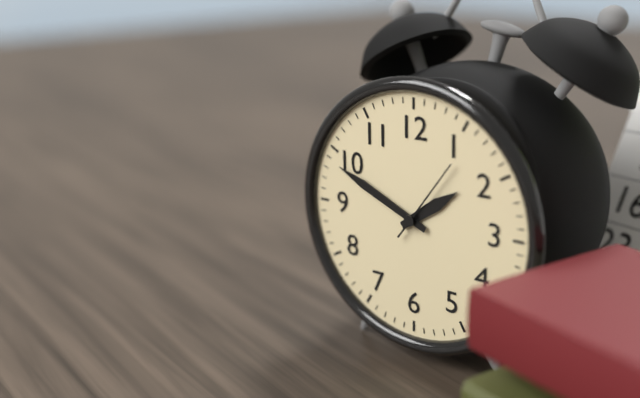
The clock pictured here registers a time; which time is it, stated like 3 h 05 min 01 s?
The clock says 1 h 49 min 06 s
